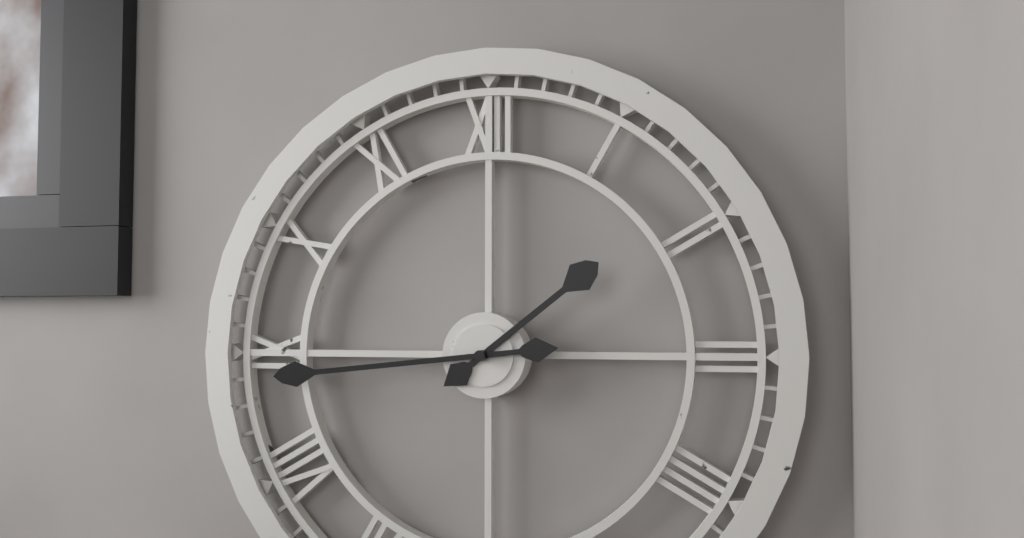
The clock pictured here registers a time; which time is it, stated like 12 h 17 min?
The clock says 1 h 44 min
